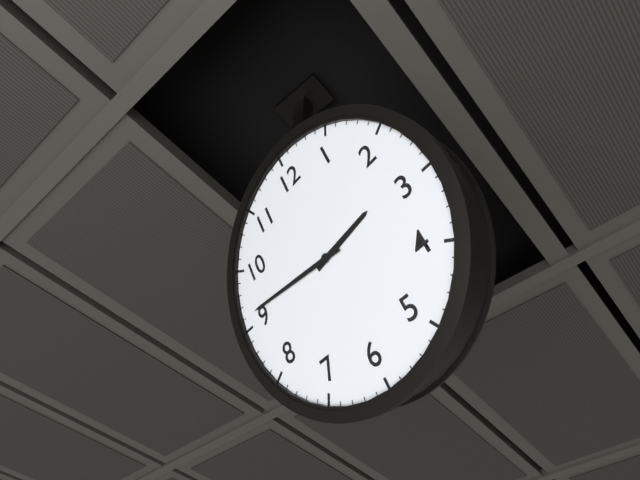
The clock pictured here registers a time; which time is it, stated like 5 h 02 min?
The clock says 2 h 46 min
